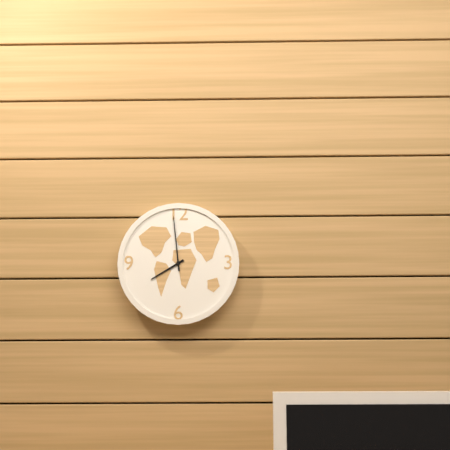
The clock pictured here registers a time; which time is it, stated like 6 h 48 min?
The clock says 7 h 59 min
